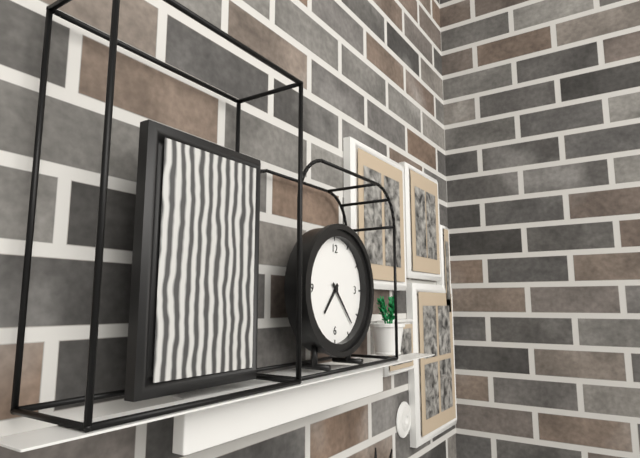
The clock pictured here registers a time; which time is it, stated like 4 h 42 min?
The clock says 7 h 23 min
